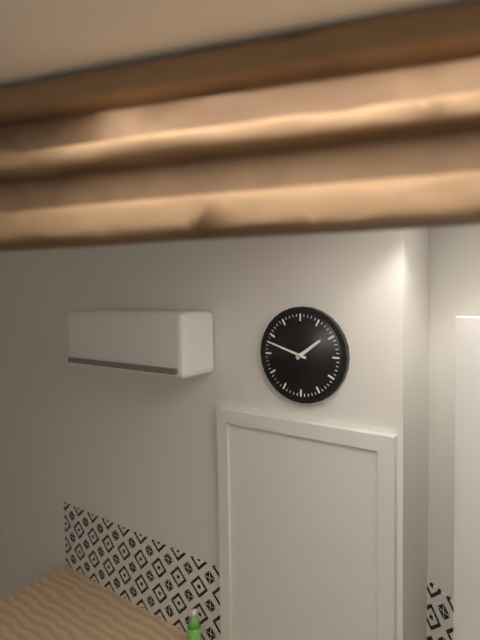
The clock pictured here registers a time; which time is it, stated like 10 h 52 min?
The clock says 1 h 48 min
